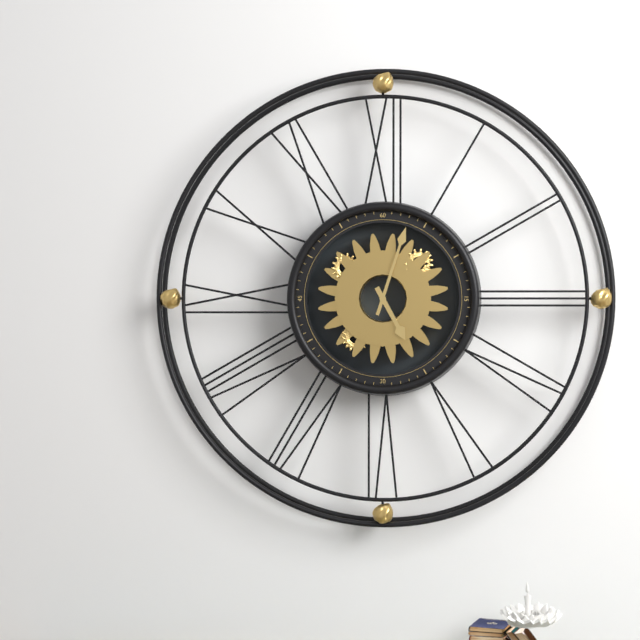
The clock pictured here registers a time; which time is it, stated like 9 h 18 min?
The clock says 5 h 03 min
